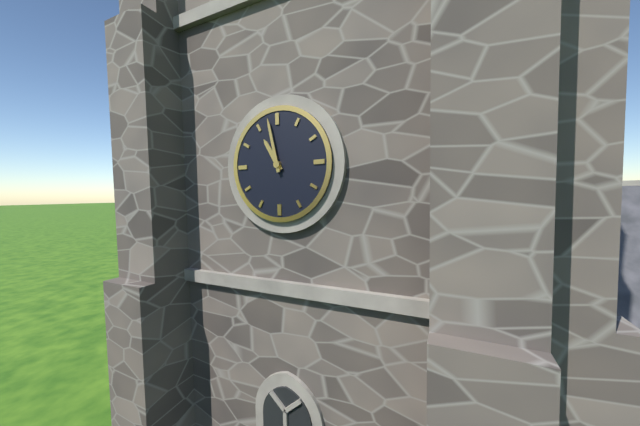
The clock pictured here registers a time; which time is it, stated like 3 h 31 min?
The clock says 10 h 58 min
